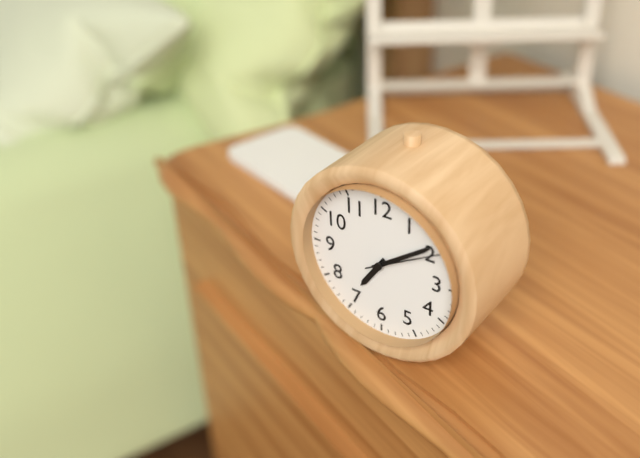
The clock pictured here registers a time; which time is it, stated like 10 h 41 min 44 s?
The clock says 7 h 09 min 10 s
